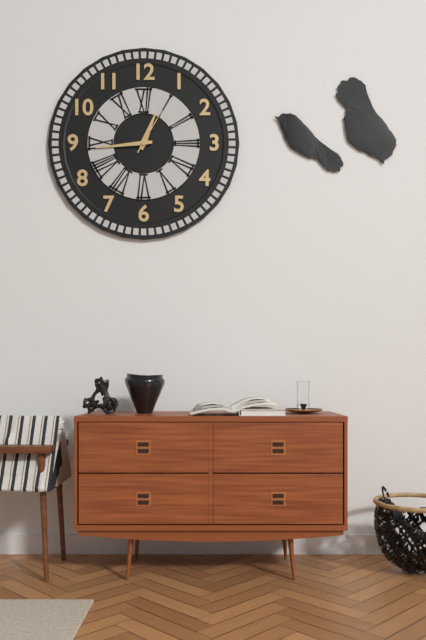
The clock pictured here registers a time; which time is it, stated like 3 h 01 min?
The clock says 12 h 44 min
